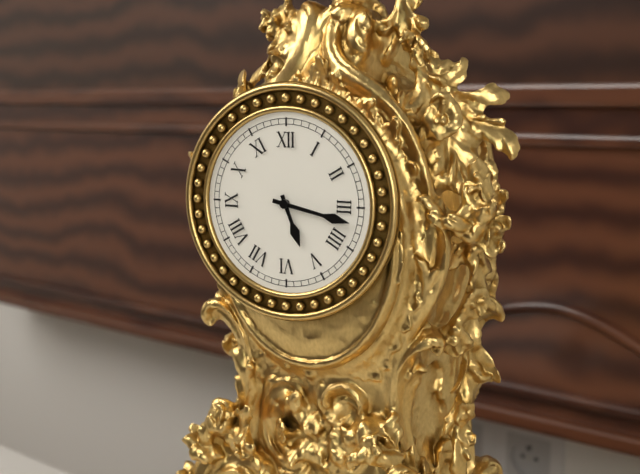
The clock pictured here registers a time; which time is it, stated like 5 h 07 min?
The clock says 5 h 17 min
